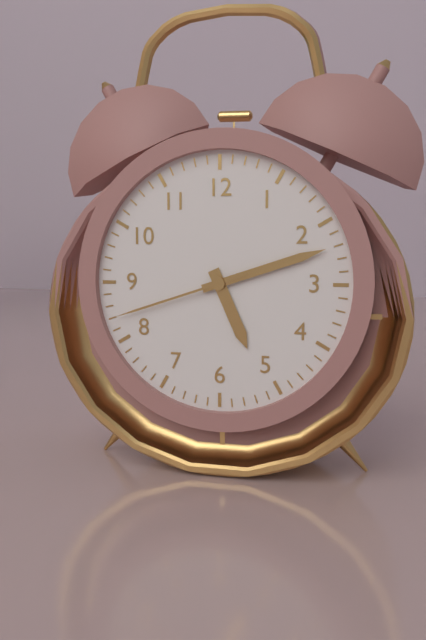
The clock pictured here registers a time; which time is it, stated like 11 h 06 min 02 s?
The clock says 5 h 12 min 42 s
